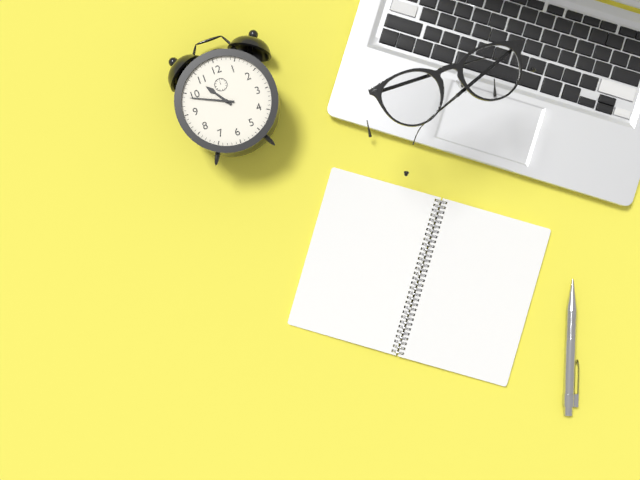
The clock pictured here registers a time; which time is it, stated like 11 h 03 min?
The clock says 10 h 49 min
